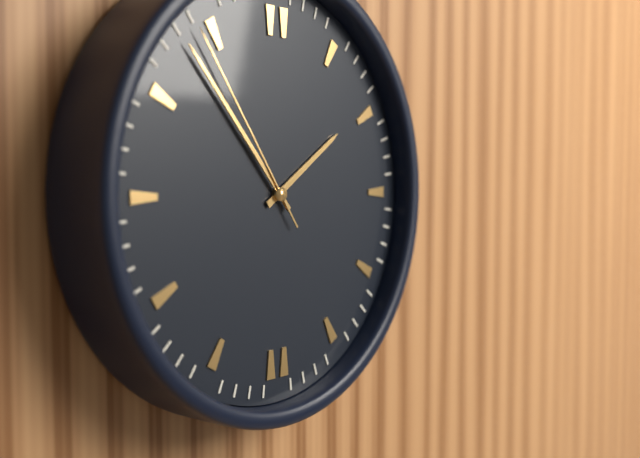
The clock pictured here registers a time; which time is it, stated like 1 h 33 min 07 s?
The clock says 1 h 53 min 54 s
